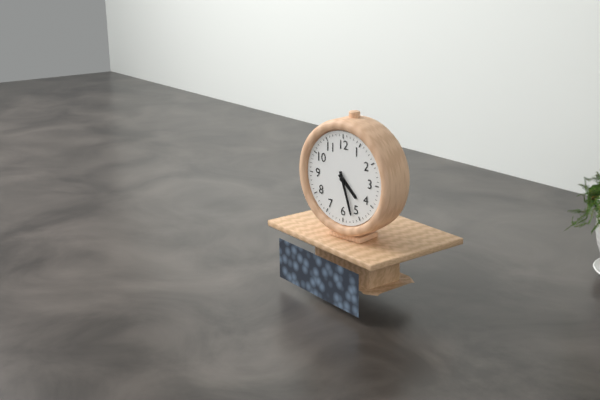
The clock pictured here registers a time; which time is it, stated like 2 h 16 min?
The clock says 4 h 27 min
